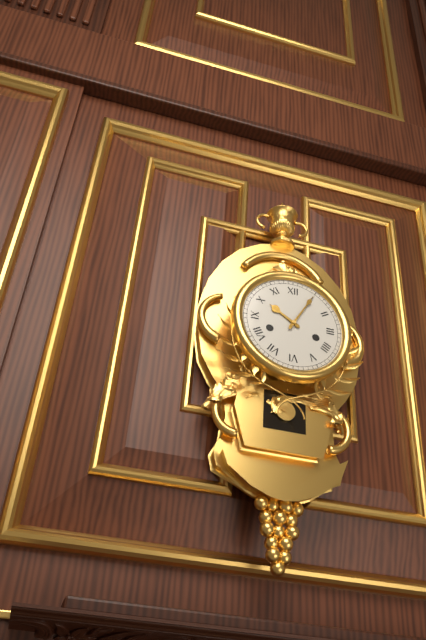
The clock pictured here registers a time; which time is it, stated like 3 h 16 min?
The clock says 10 h 05 min
